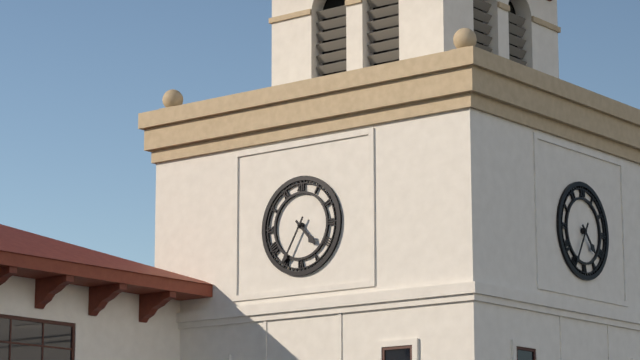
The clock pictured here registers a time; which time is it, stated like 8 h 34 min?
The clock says 4 h 35 min
